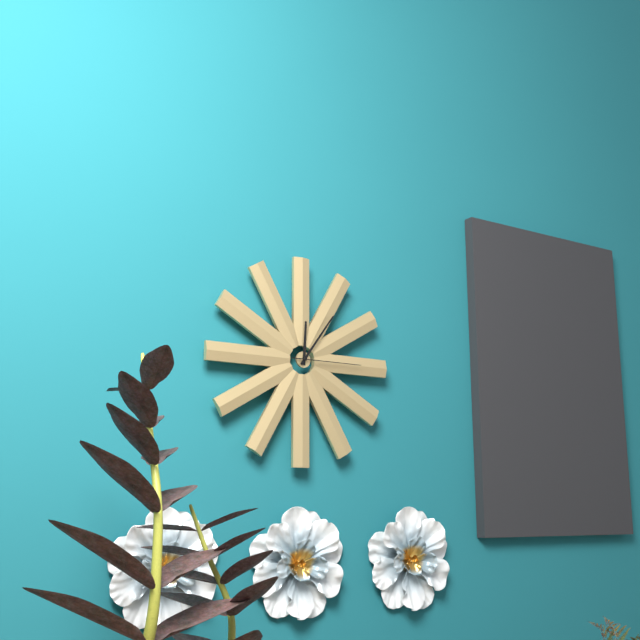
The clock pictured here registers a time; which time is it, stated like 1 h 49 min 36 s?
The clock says 12 h 06 min 15 s
